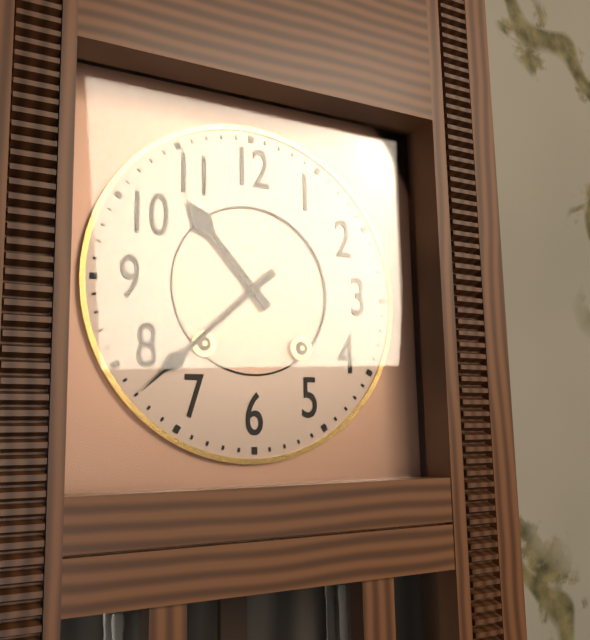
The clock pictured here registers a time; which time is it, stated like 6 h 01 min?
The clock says 10 h 38 min
